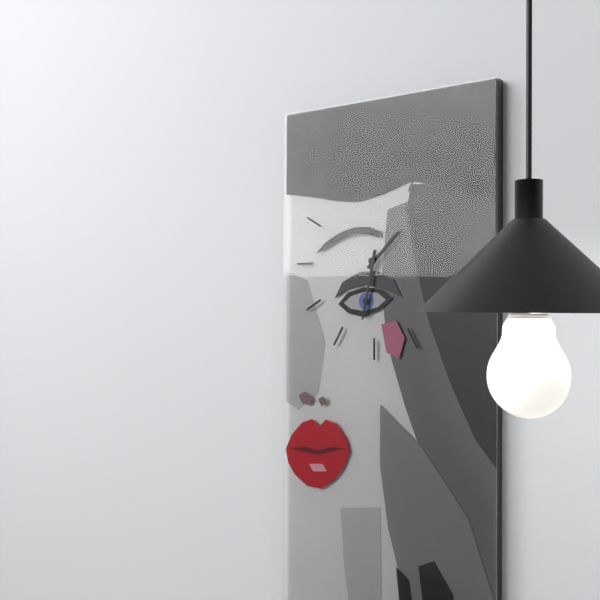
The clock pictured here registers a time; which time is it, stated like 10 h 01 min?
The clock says 1 h 32 min
